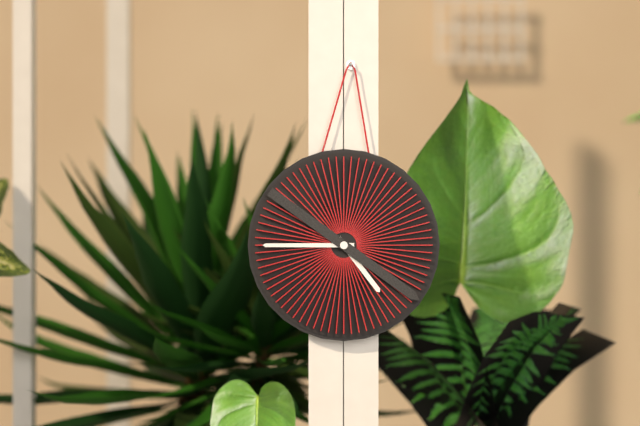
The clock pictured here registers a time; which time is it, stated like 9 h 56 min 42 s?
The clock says 4 h 45 min 21 s
